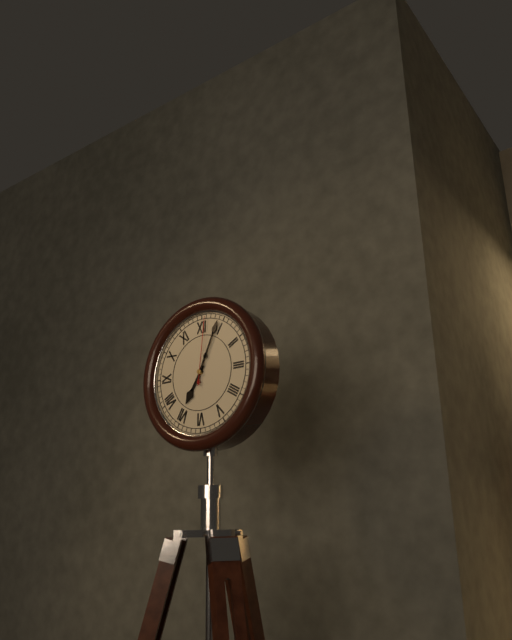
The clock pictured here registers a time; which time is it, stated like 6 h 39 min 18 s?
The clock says 7 h 04 min 01 s
